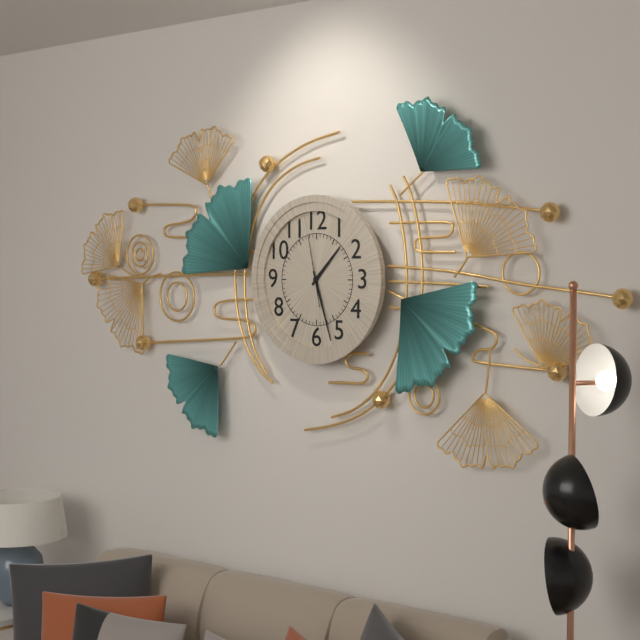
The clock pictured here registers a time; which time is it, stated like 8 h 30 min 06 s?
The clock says 1 h 27 min 58 s
